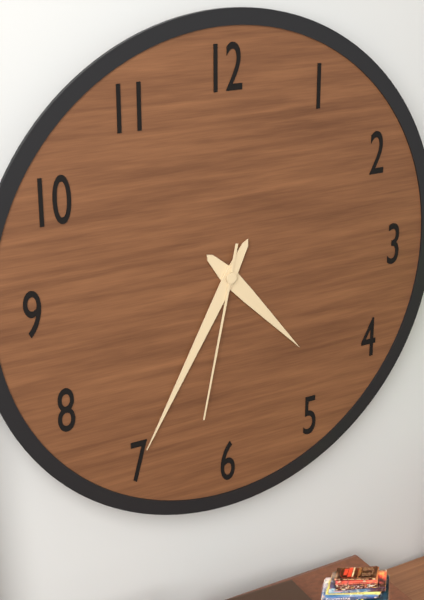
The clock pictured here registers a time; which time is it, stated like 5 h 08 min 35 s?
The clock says 4 h 35 min 32 s
